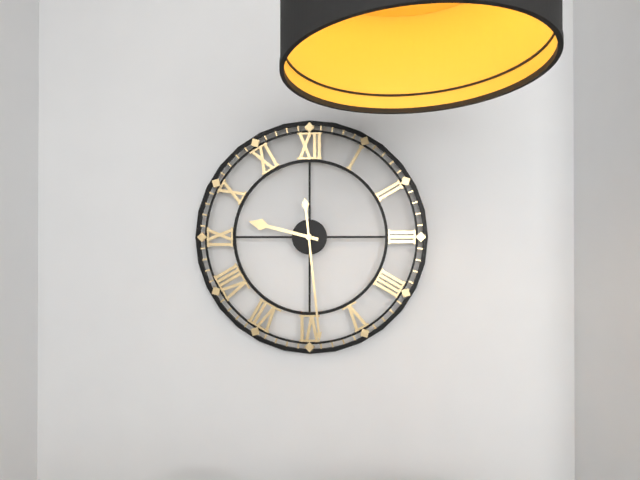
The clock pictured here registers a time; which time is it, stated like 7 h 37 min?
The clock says 9 h 29 min
